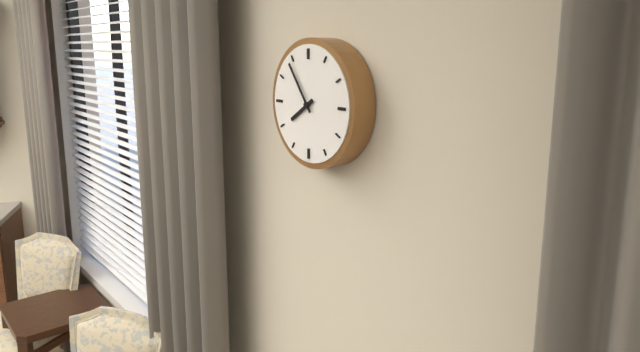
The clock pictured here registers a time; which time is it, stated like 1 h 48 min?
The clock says 7 h 54 min
